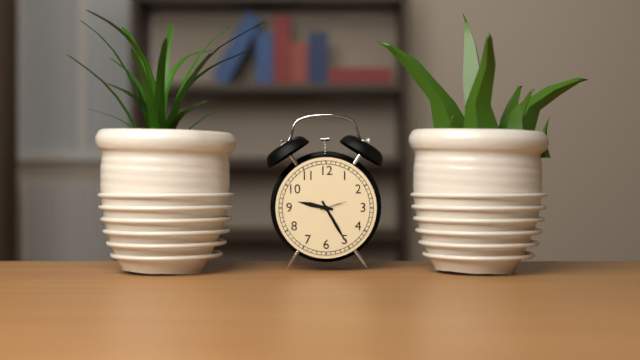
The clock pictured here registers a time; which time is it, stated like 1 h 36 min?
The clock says 9 h 25 min
